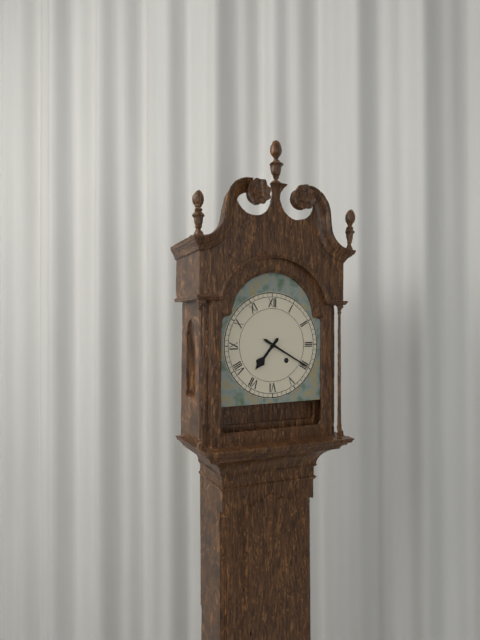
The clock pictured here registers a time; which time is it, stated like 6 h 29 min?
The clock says 7 h 20 min
